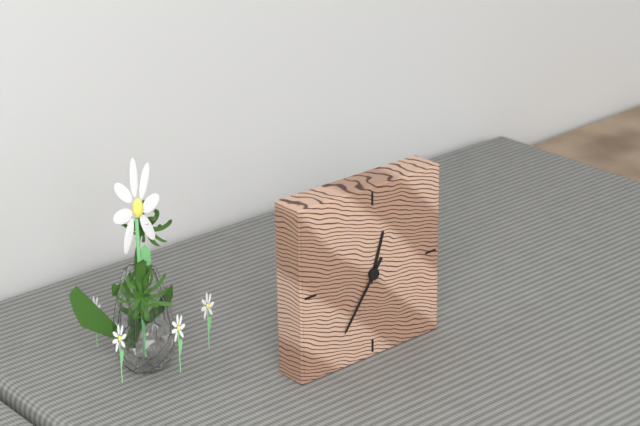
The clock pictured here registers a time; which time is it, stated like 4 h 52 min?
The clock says 12 h 36 min
